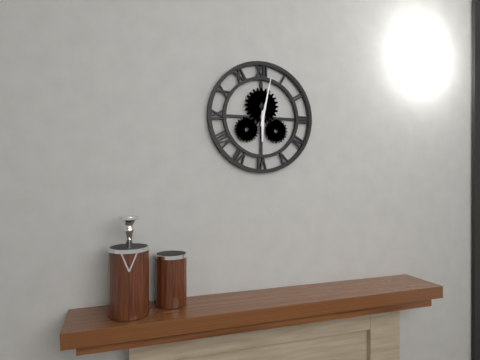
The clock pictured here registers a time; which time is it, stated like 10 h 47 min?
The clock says 6 h 02 min
